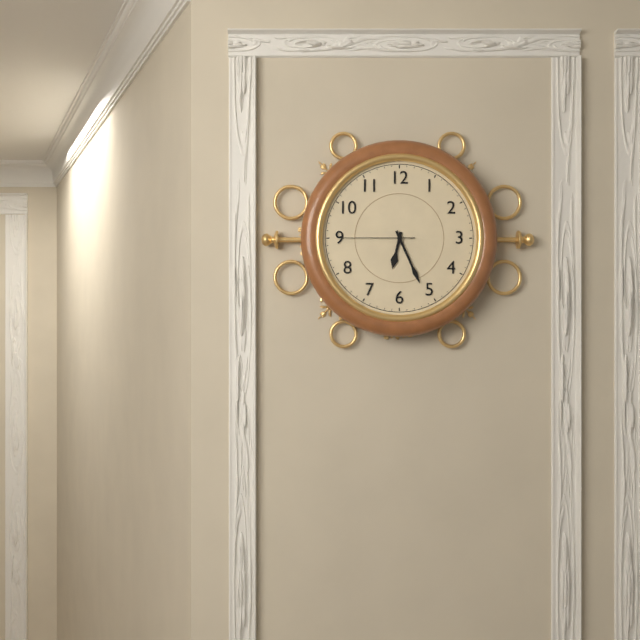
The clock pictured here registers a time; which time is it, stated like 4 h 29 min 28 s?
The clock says 6 h 26 min 45 s
